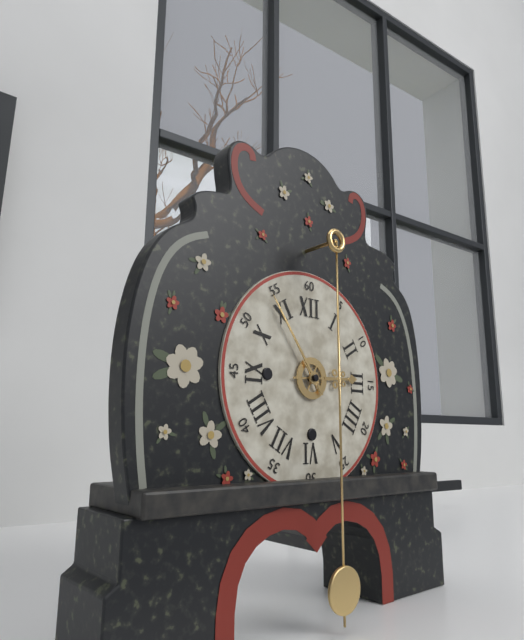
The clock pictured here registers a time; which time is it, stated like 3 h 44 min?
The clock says 2 h 54 min
